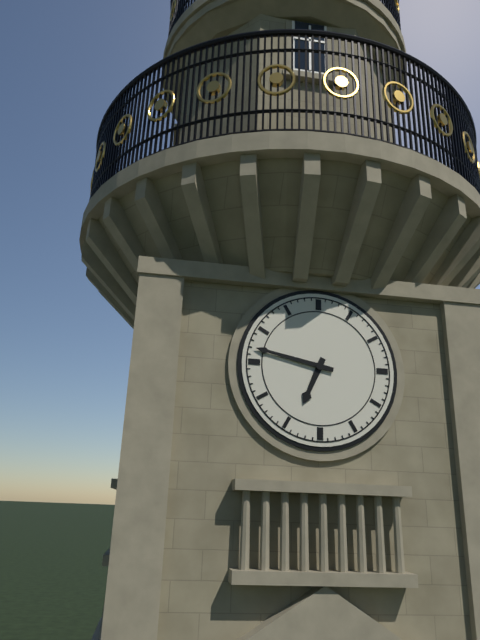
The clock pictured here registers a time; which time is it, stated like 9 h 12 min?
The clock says 6 h 47 min
